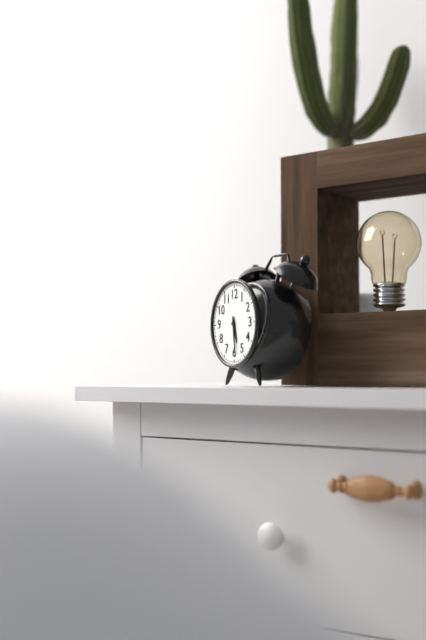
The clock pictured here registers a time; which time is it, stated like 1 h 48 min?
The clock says 5 h 29 min
